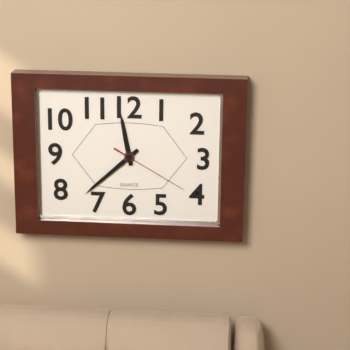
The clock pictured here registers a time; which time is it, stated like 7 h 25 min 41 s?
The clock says 11 h 38 min 20 s
